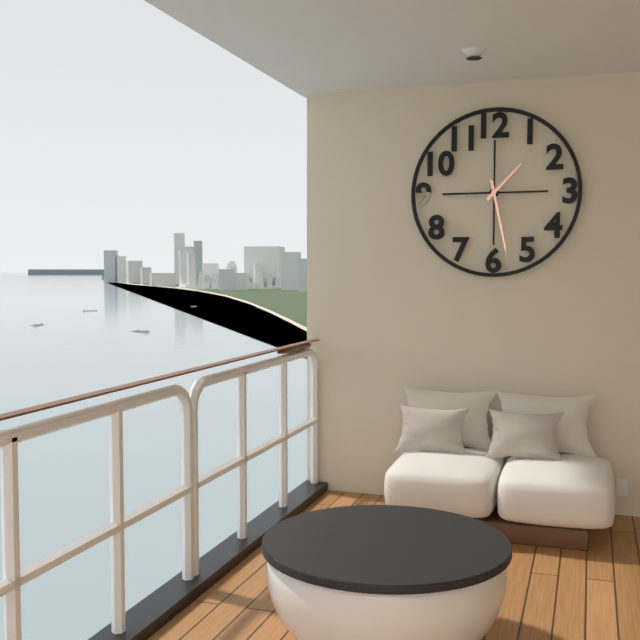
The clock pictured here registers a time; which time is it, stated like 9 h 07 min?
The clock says 1 h 28 min
